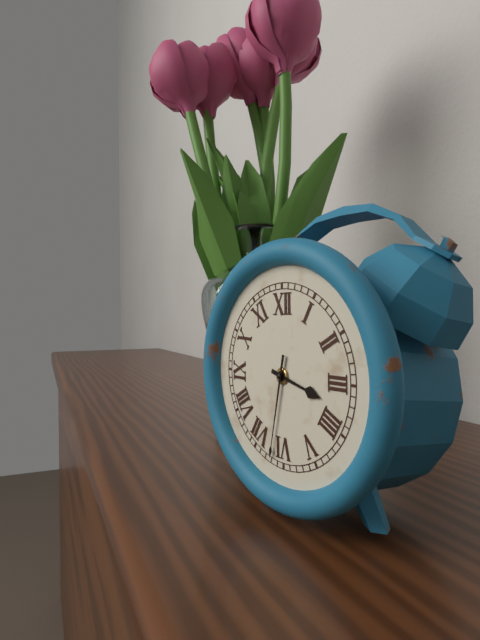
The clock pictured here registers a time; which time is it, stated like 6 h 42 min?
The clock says 3 h 32 min
